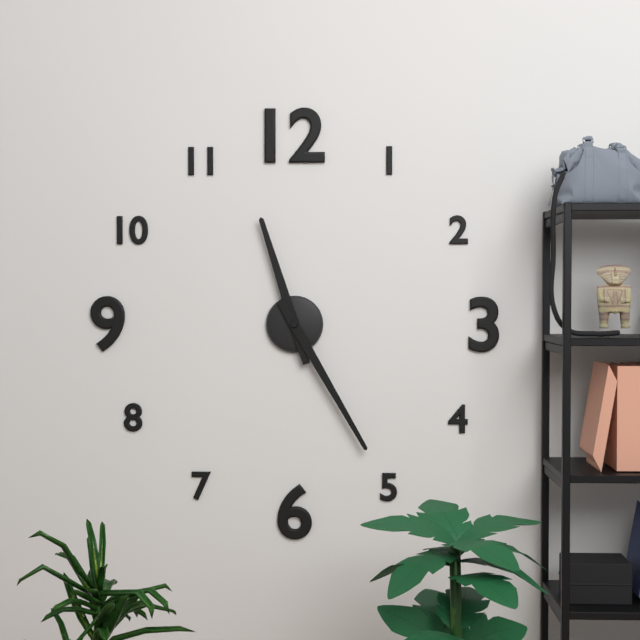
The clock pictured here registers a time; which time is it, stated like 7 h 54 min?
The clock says 11 h 25 min
